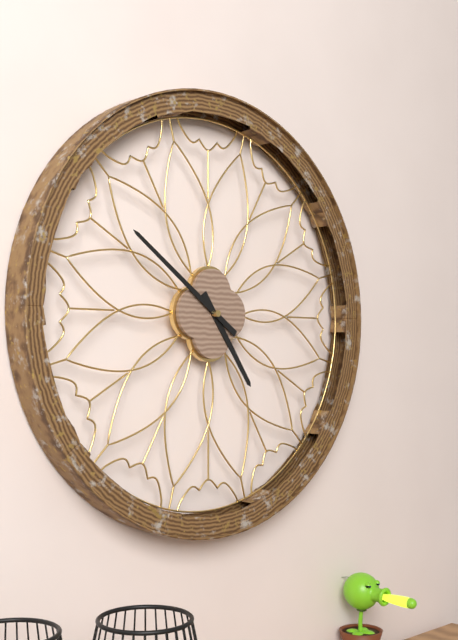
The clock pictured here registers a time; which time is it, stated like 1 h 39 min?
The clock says 4 h 51 min
